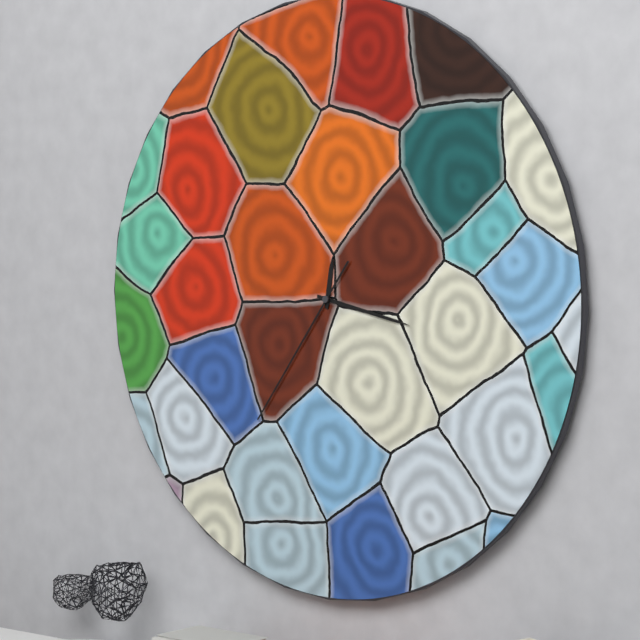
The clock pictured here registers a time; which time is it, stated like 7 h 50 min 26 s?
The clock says 12 h 17 min 36 s
